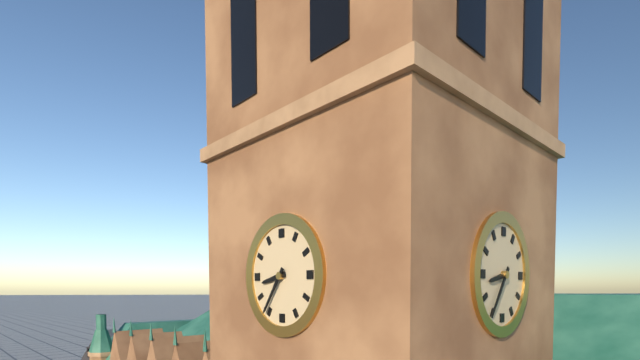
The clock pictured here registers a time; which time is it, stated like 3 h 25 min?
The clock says 8 h 36 min
